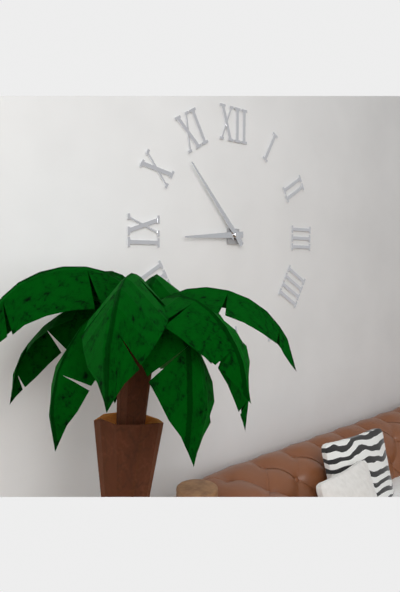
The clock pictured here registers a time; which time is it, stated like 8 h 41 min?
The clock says 8 h 53 min
